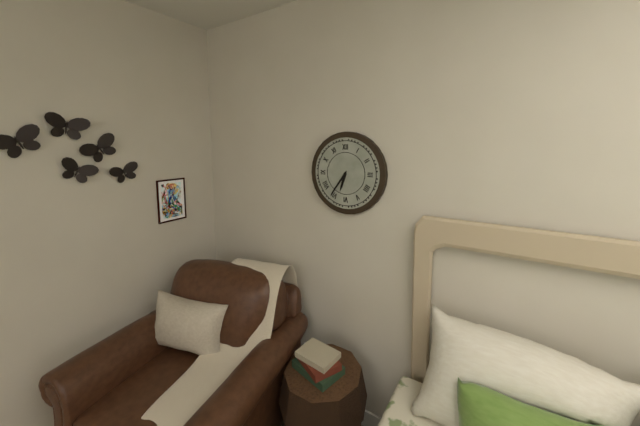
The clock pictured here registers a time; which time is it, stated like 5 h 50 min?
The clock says 6 h 36 min
